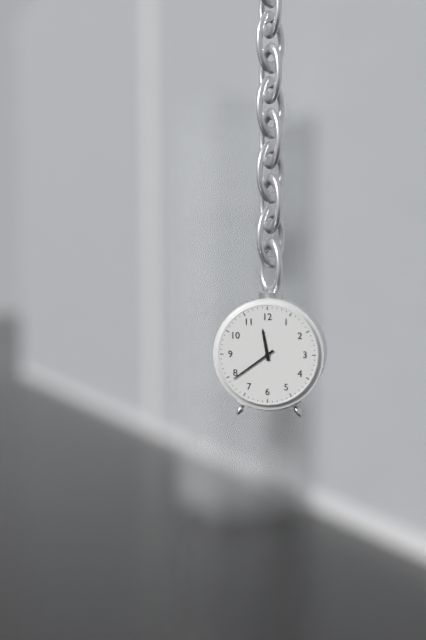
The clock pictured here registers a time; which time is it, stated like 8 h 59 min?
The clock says 11 h 39 min
